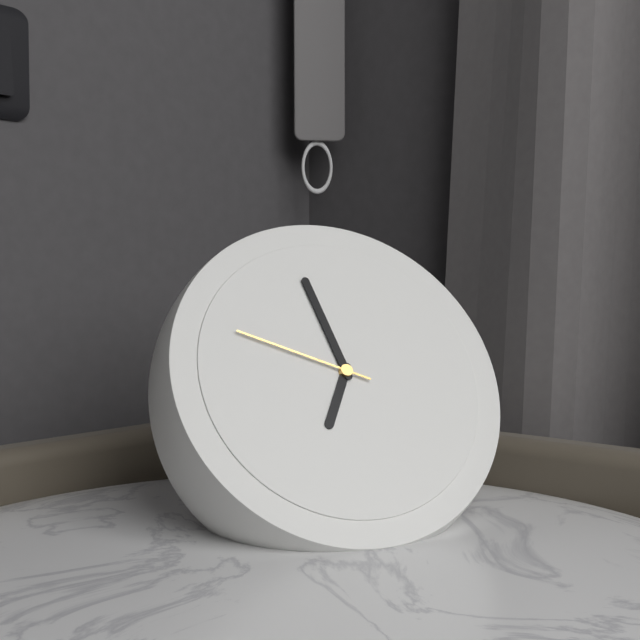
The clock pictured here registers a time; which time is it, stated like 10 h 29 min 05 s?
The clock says 6 h 58 min 49 s
